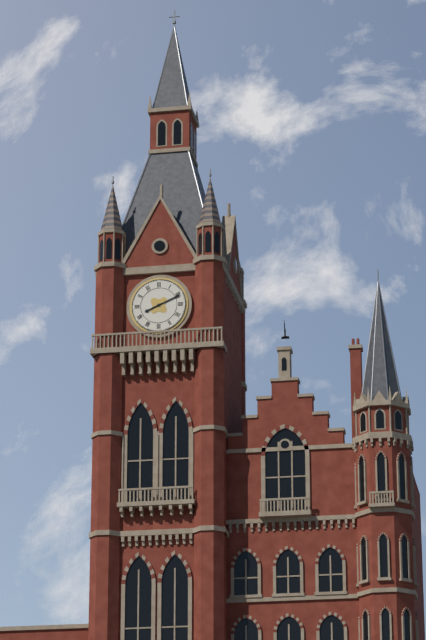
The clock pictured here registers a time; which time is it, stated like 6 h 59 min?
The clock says 8 h 11 min
